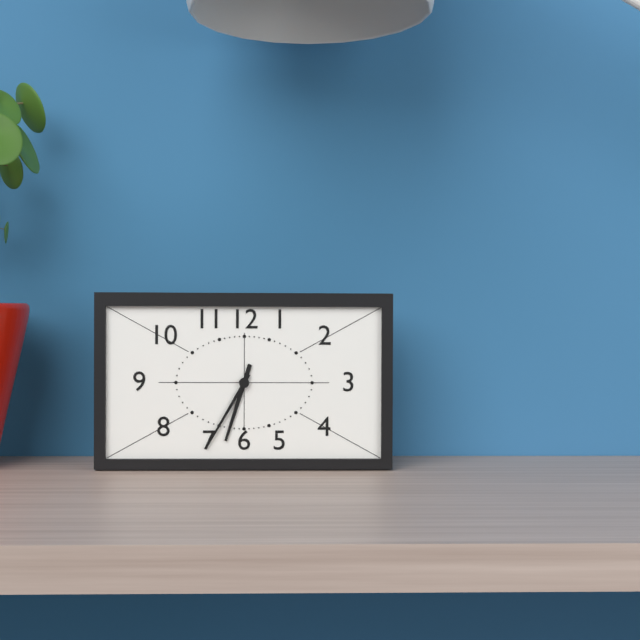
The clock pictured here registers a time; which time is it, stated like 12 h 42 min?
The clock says 6 h 35 min
